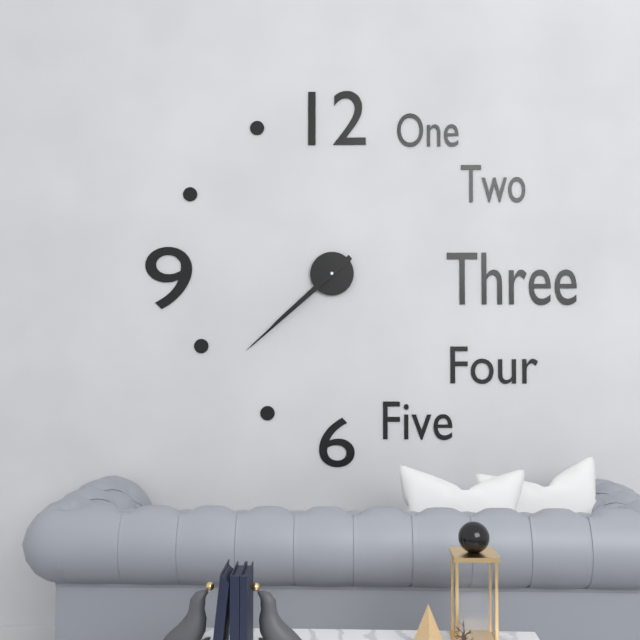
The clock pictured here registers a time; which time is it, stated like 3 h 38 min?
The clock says 7 h 38 min
